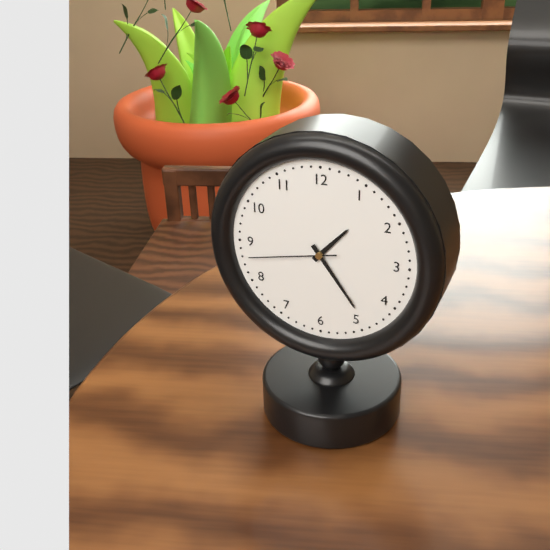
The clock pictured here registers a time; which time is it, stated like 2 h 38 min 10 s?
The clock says 1 h 24 min 43 s
